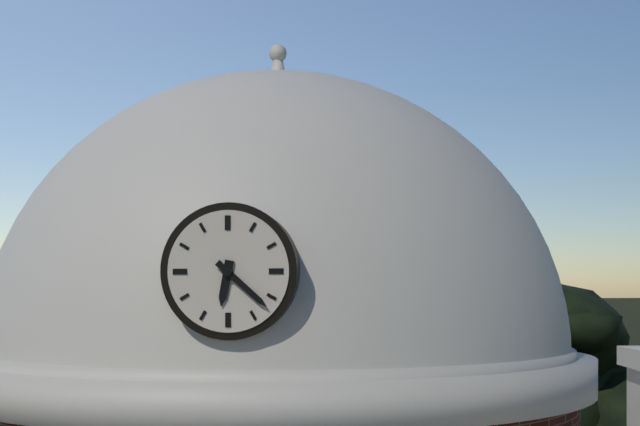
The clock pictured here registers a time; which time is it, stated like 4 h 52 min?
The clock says 6 h 22 min
